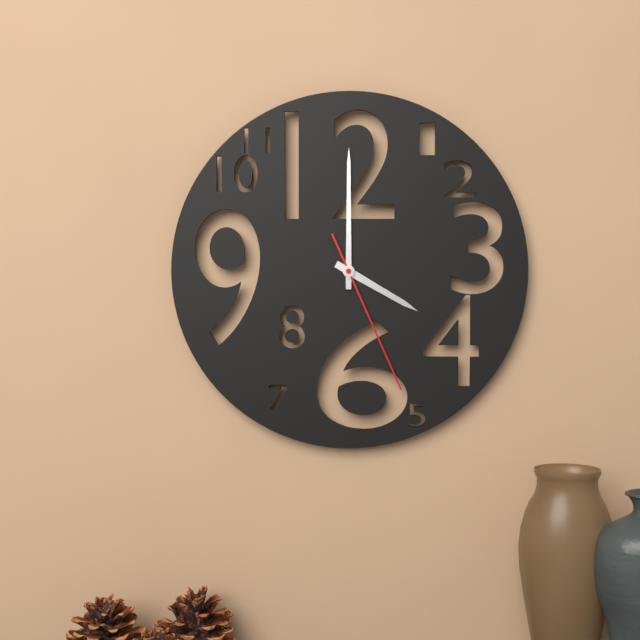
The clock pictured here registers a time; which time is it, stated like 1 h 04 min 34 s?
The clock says 4 h 00 min 26 s
